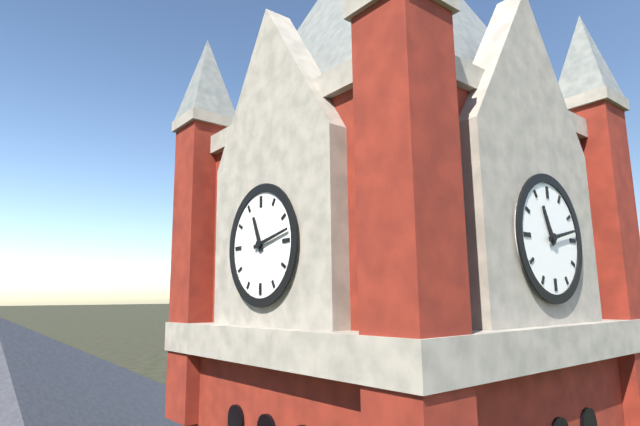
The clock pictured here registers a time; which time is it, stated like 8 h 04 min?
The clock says 11 h 13 min
